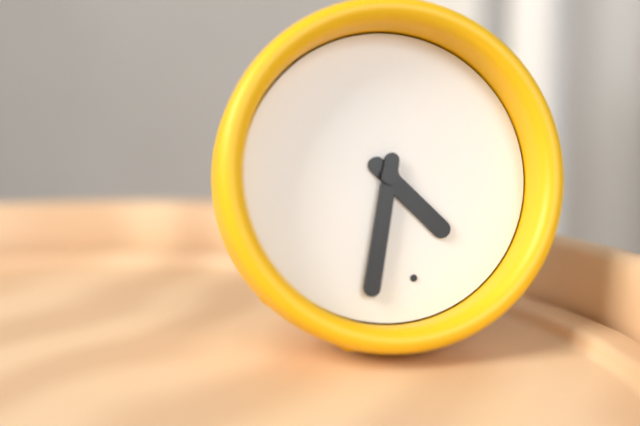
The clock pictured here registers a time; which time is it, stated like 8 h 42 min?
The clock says 4 h 32 min
